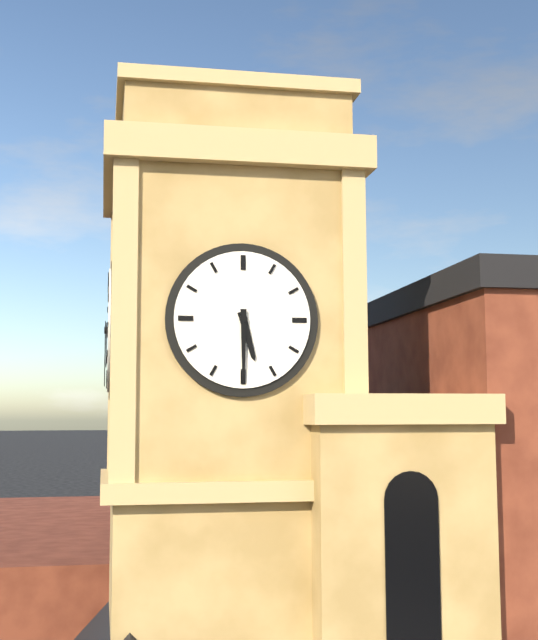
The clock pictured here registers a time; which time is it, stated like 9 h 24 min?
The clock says 5 h 30 min
